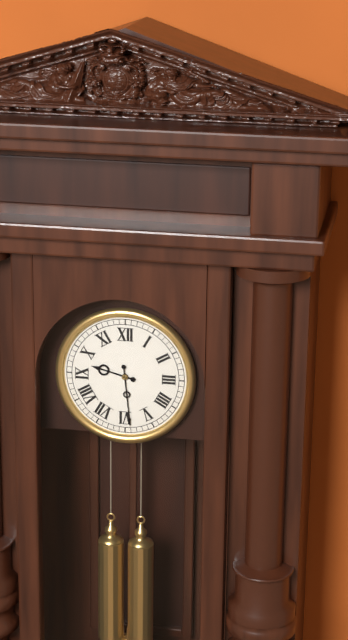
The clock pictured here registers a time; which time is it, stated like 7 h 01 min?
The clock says 9 h 29 min
